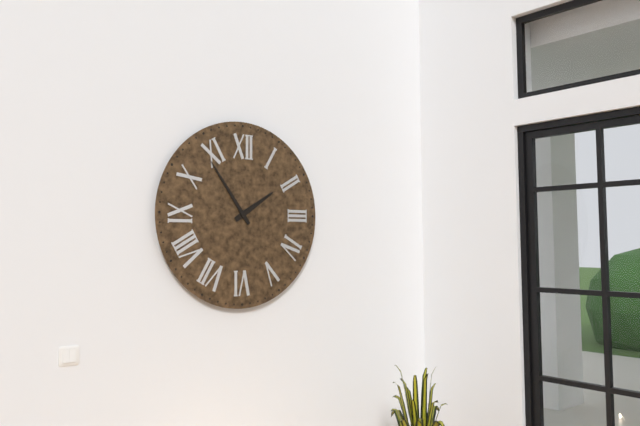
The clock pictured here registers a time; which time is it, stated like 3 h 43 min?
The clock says 1 h 54 min
